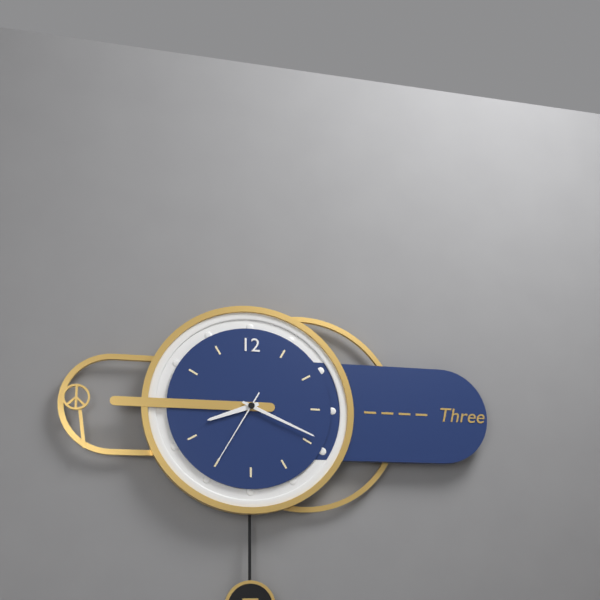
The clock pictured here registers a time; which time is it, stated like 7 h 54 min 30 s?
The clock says 8 h 19 min 35 s
